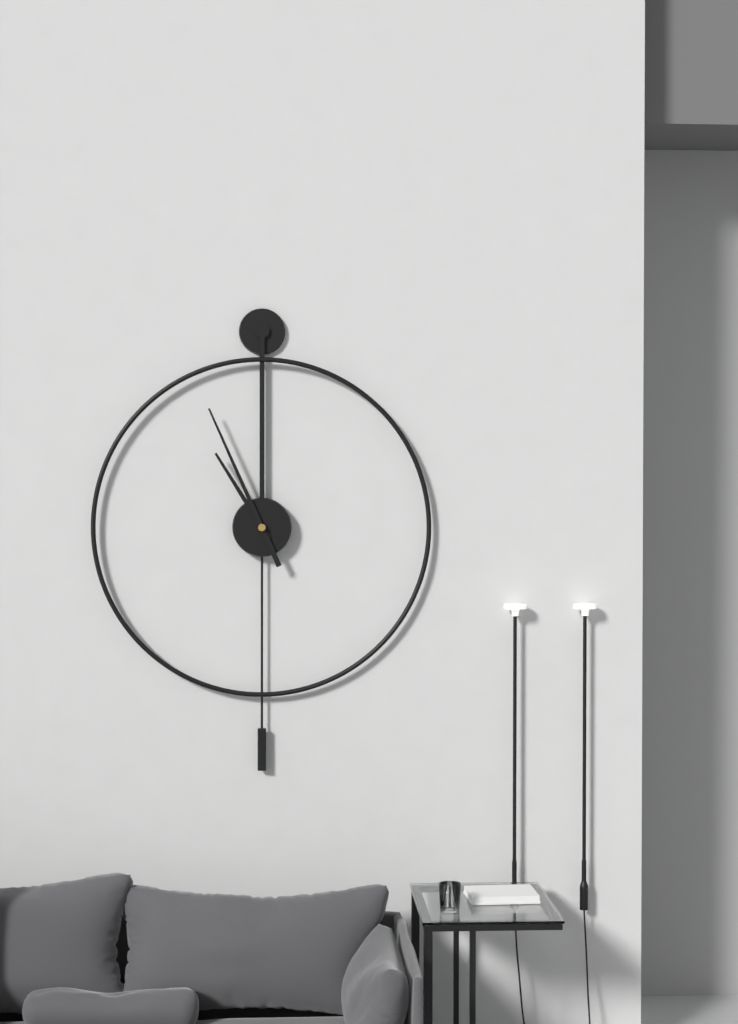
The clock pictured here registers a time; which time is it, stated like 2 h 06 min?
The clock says 10 h 56 min
